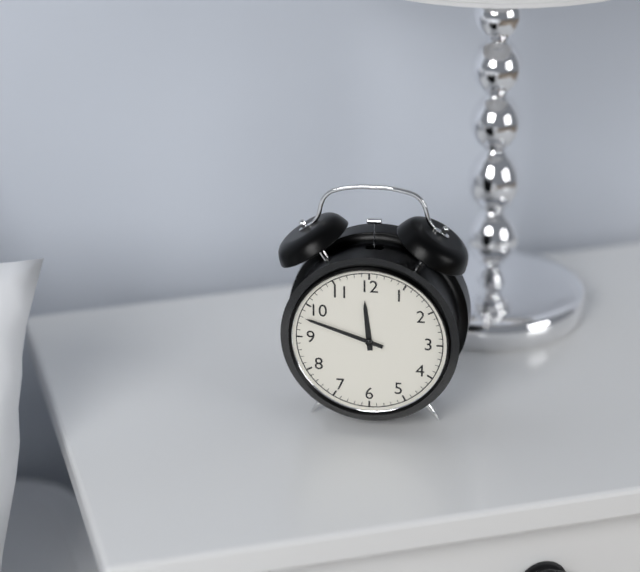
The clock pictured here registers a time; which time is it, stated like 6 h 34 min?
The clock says 11 h 48 min
